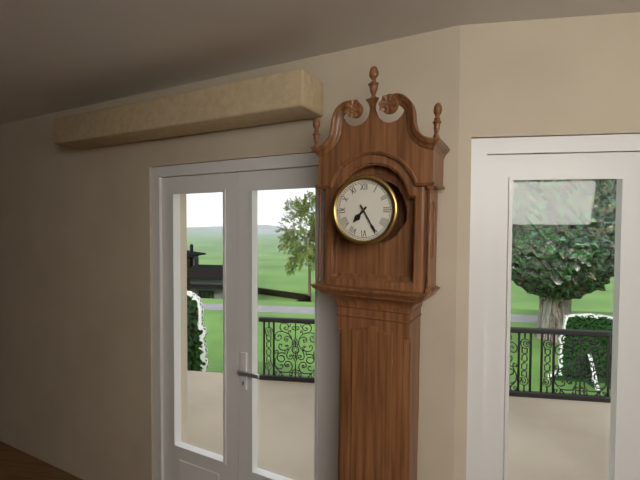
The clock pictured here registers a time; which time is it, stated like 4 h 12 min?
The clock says 7 h 25 min
